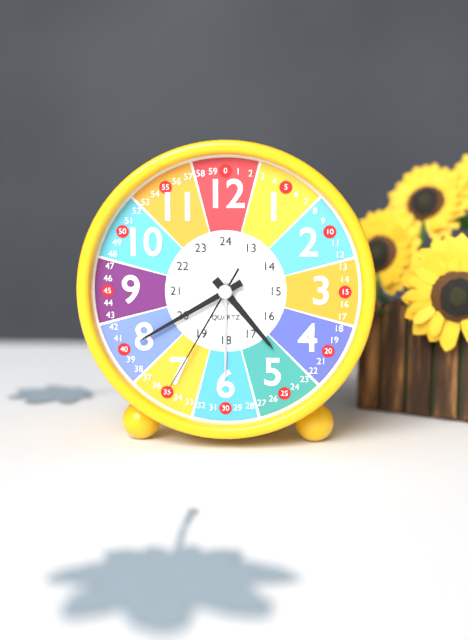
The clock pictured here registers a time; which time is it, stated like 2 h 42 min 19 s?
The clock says 4 h 40 min 35 s
